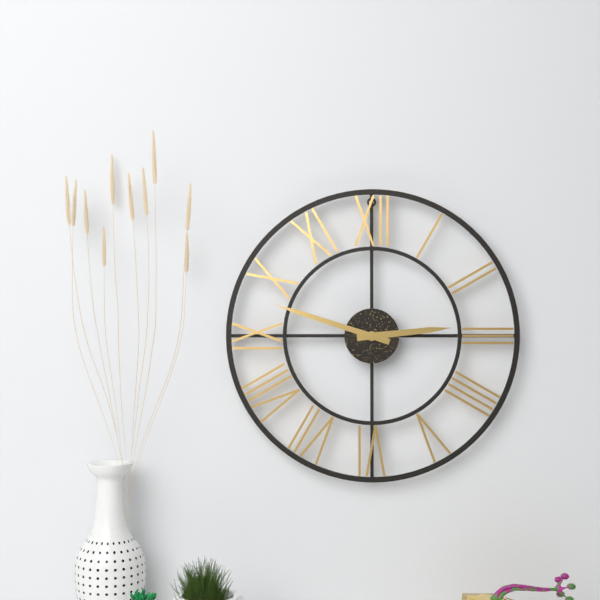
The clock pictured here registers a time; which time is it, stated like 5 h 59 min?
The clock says 2 h 48 min
